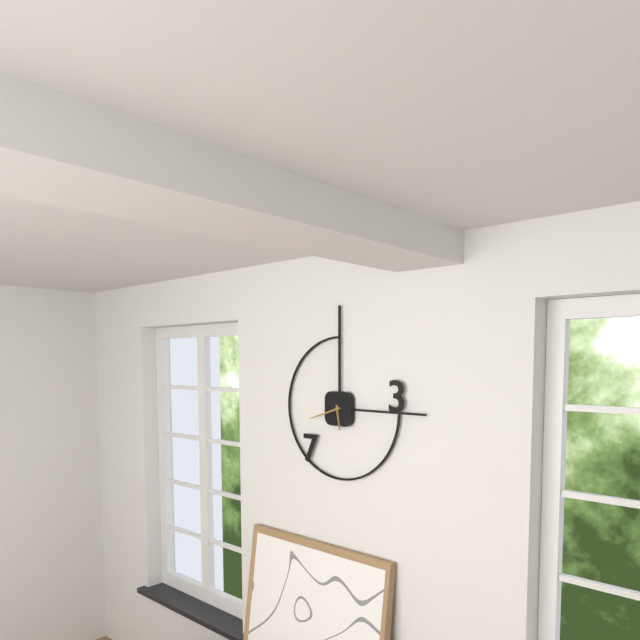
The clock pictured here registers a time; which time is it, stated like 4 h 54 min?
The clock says 5 h 42 min
